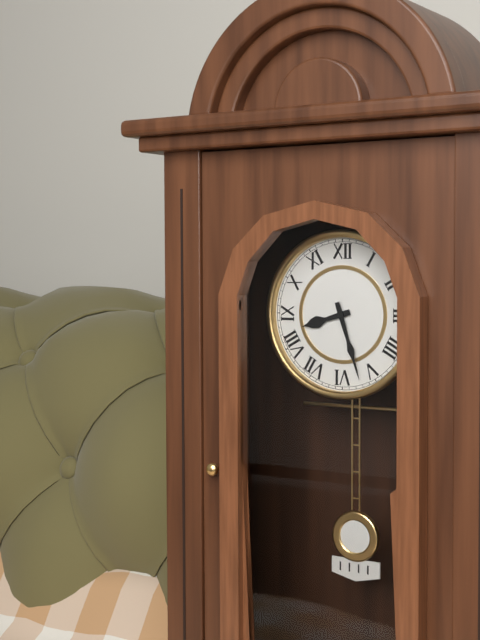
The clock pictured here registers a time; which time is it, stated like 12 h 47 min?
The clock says 8 h 27 min
